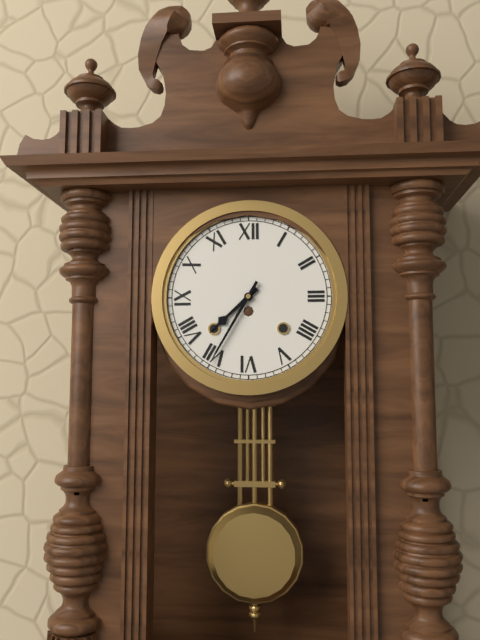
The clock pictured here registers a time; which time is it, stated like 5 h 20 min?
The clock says 7 h 35 min
